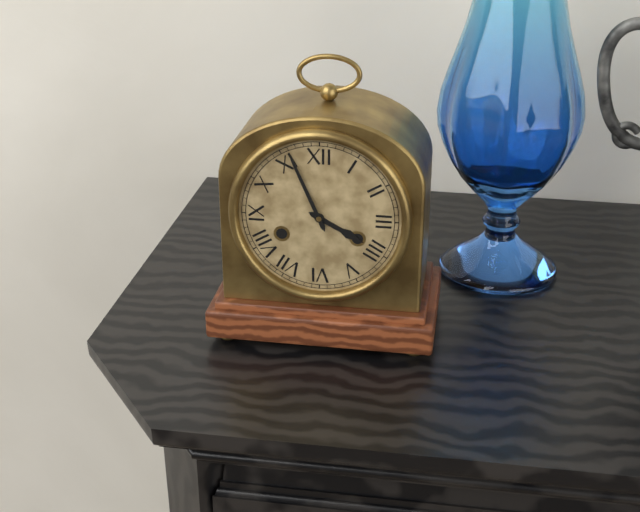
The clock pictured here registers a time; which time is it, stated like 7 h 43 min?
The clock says 3 h 56 min
